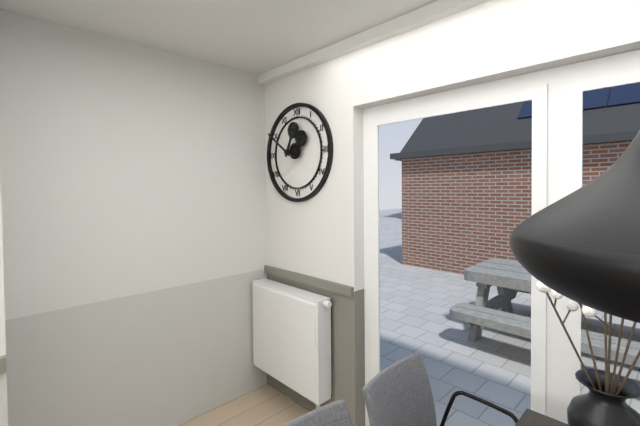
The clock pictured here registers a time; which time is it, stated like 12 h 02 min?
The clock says 12 h 51 min
